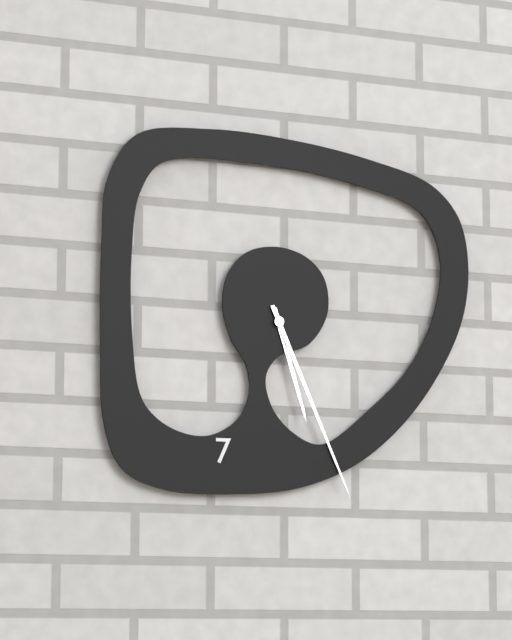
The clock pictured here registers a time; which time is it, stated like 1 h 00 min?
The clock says 5 h 26 min
